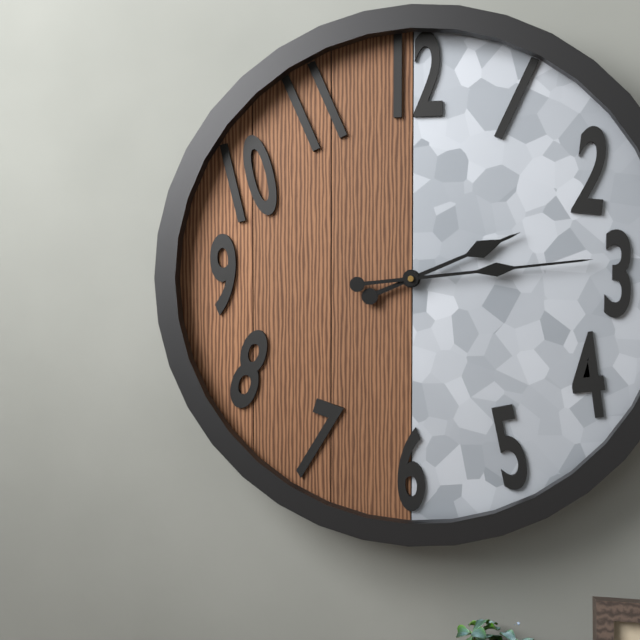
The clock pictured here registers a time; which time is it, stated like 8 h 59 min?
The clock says 2 h 14 min
